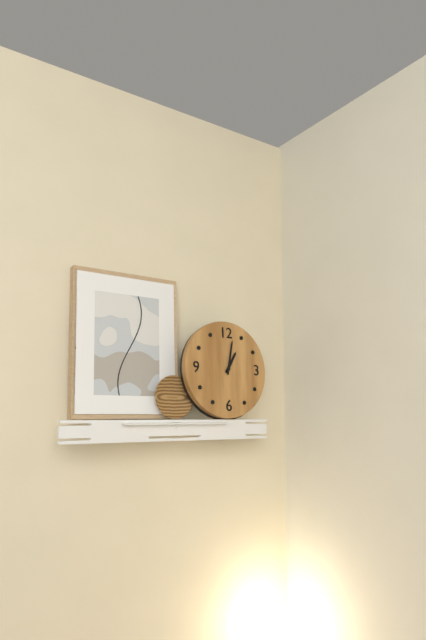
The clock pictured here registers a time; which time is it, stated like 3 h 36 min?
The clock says 1 h 02 min
